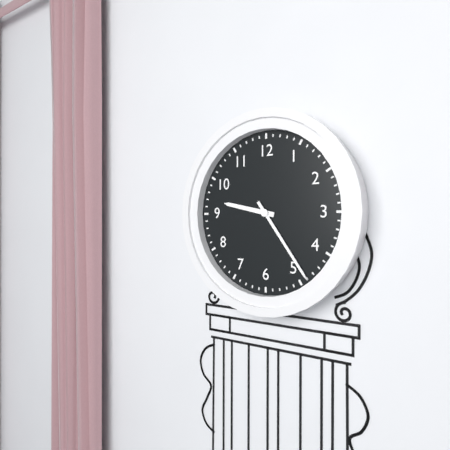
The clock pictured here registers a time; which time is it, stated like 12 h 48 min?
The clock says 9 h 24 min
